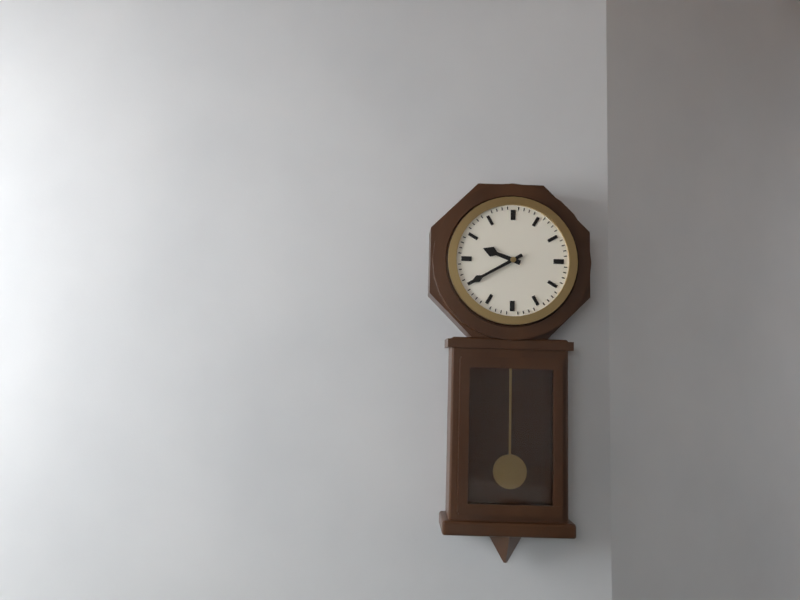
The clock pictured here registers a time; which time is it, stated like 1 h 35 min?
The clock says 9 h 40 min
